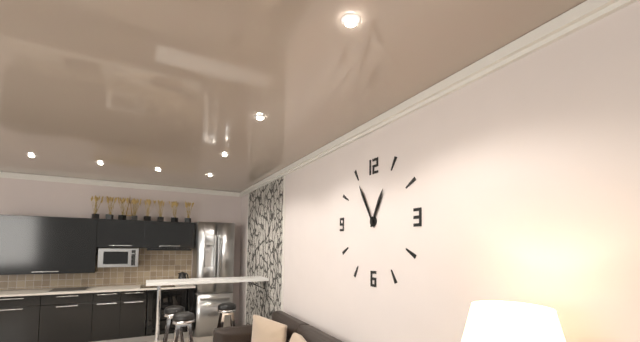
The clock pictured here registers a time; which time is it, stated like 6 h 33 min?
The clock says 12 h 55 min
